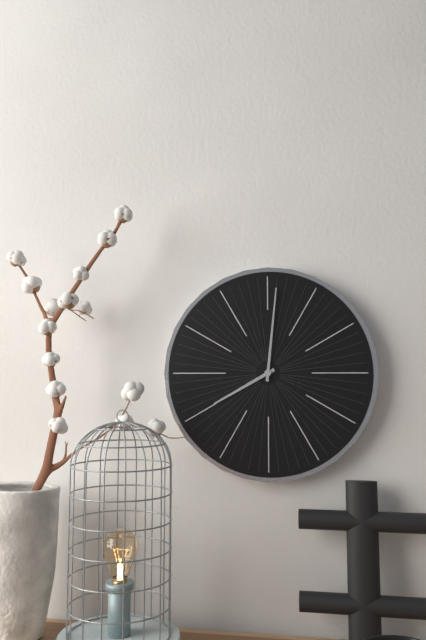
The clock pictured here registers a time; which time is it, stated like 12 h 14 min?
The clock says 8 h 01 min
